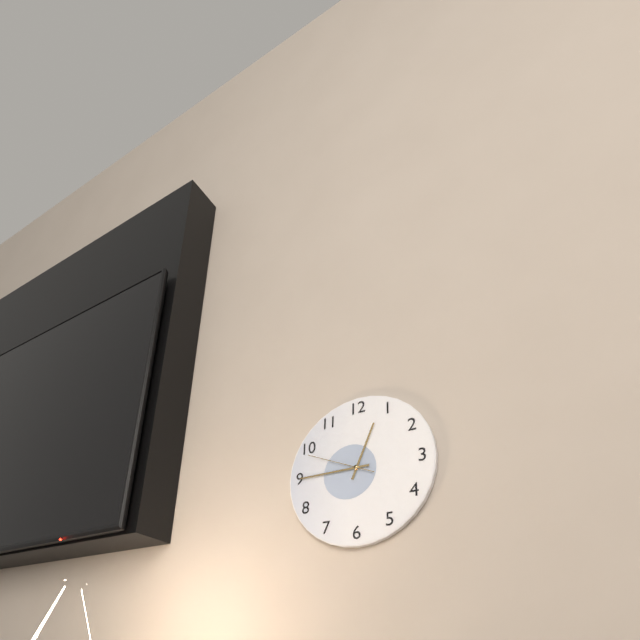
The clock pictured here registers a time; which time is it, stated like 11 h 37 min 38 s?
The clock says 12 h 45 min 49 s
